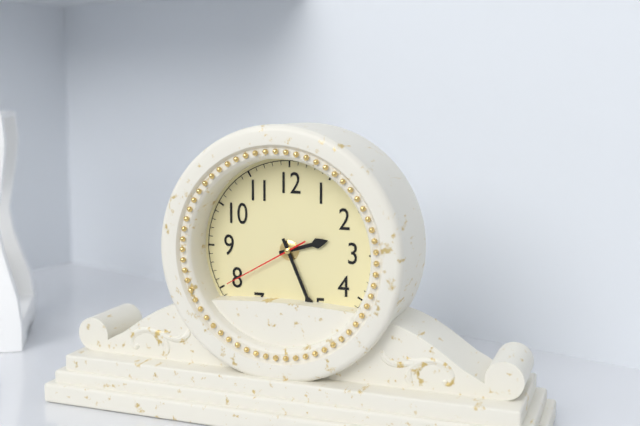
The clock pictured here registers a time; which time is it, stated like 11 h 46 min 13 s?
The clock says 2 h 26 min 40 s
